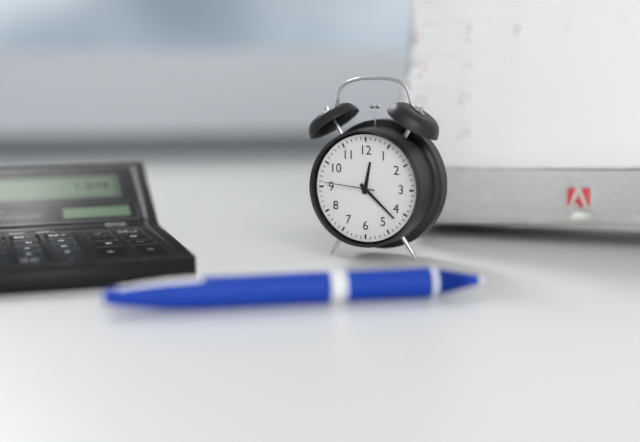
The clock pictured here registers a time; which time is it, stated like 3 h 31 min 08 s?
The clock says 12 h 22 min 46 s
